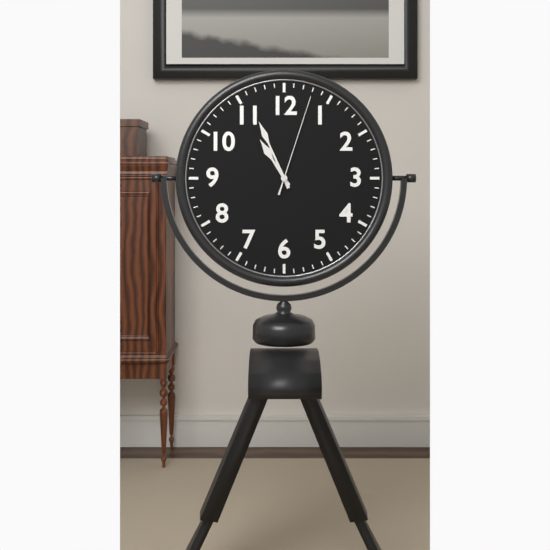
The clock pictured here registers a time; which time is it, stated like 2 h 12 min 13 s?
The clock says 10 h 56 min 03 s
